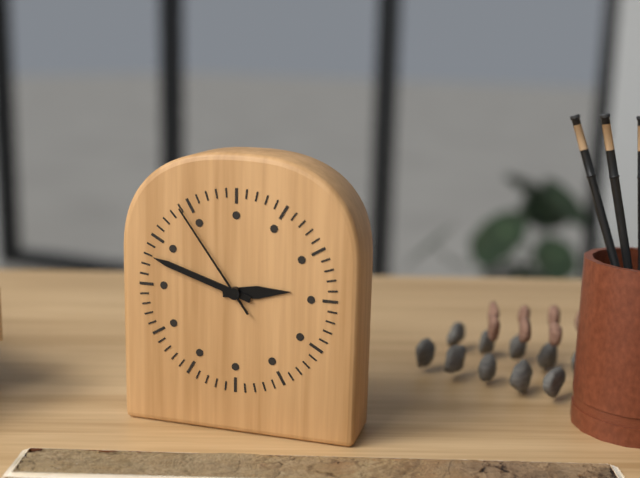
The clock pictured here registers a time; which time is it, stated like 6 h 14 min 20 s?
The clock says 2 h 48 min 54 s
